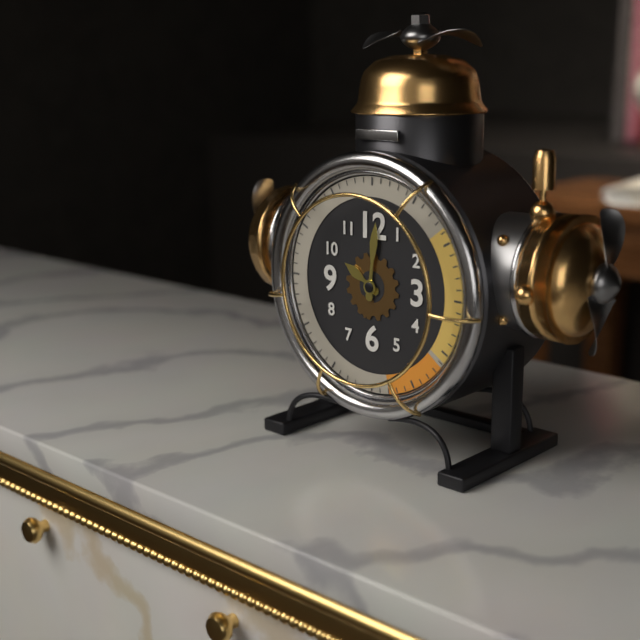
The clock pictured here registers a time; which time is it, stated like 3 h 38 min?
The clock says 10 h 01 min
